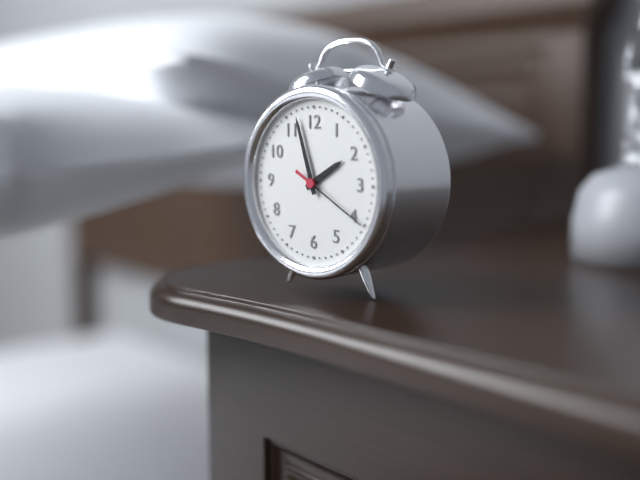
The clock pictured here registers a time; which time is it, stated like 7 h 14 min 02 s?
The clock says 1 h 57 min 20 s
